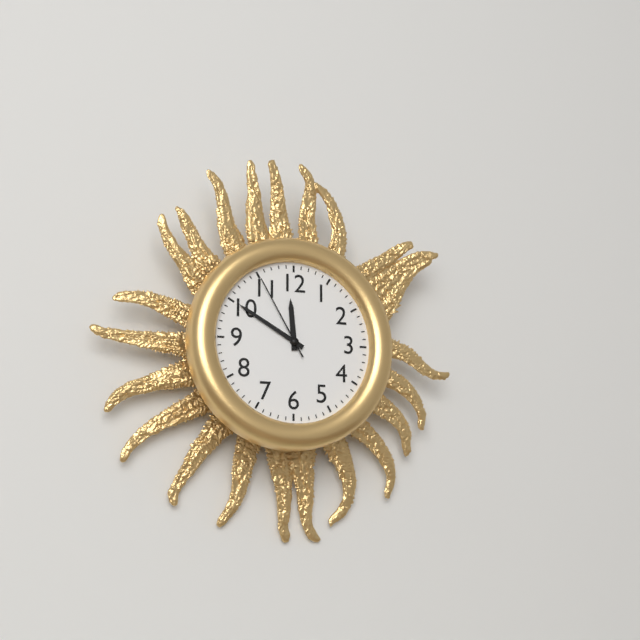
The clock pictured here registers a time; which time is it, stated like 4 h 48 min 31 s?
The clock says 11 h 50 min 55 s
